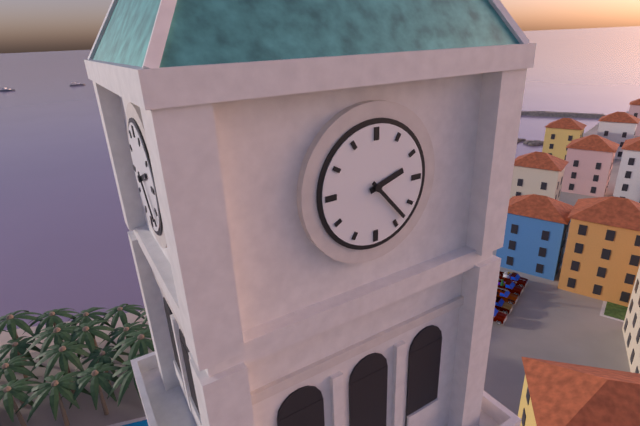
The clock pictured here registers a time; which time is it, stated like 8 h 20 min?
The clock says 2 h 23 min
